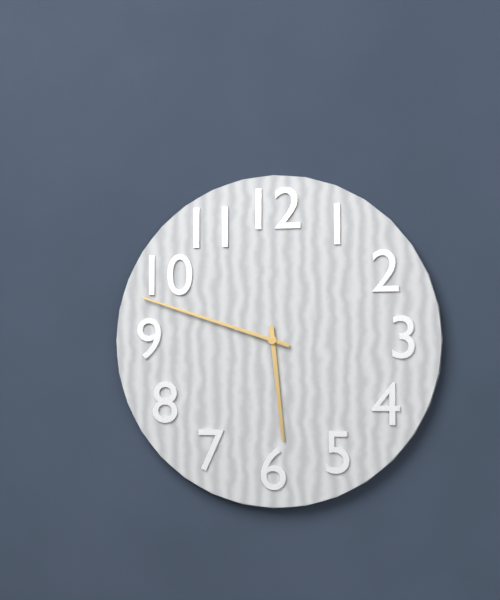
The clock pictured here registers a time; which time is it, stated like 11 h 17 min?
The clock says 5 h 48 min
